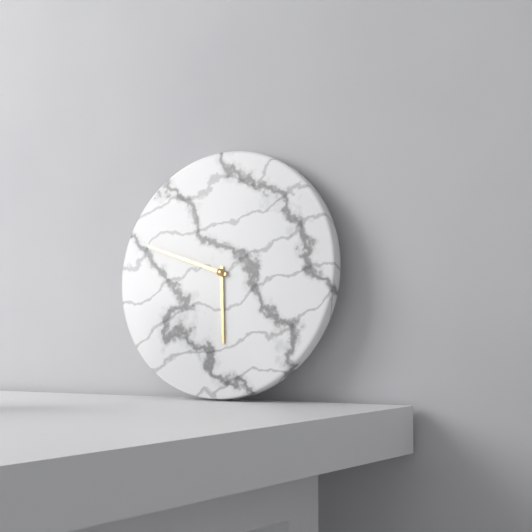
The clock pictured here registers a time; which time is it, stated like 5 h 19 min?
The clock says 5 h 48 min
